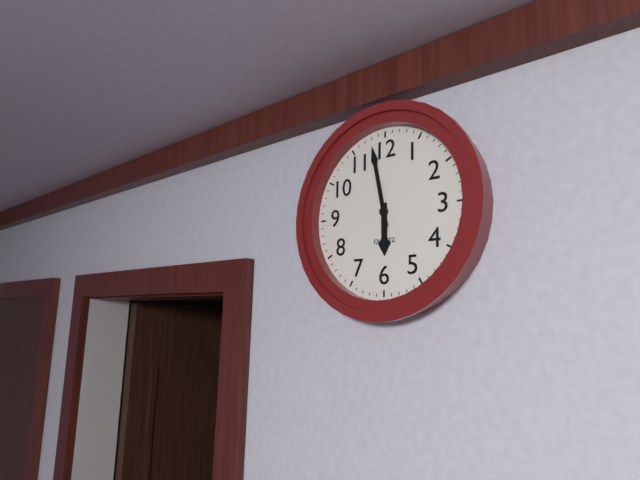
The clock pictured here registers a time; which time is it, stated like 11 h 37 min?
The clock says 5 h 58 min
